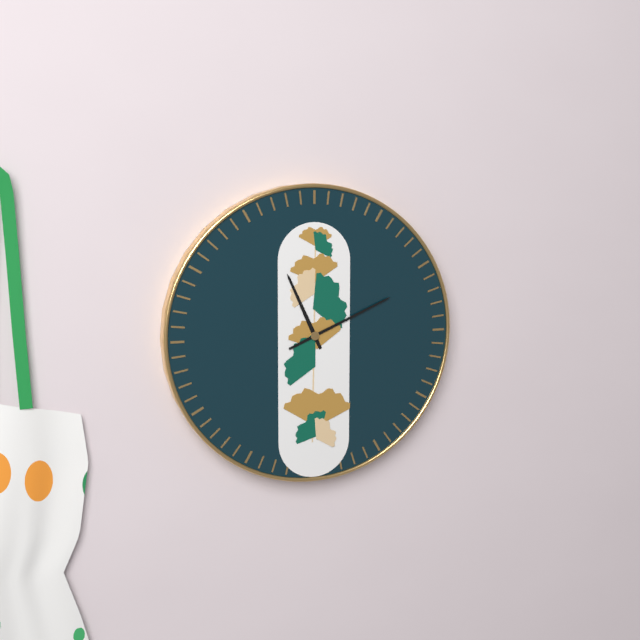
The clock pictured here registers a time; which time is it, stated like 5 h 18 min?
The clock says 11 h 11 min
